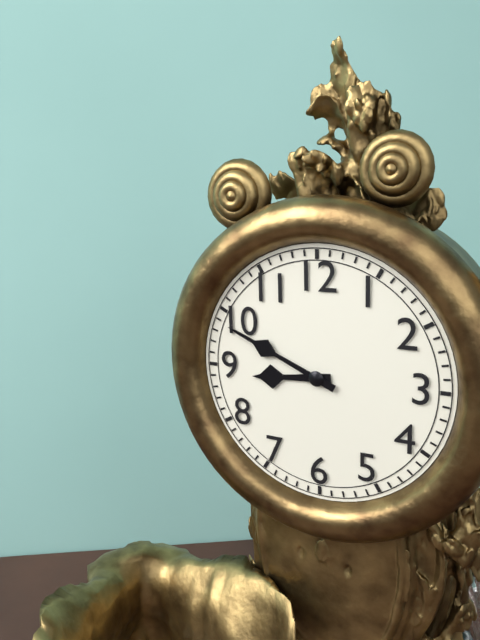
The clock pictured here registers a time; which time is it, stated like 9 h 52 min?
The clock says 8 h 49 min
